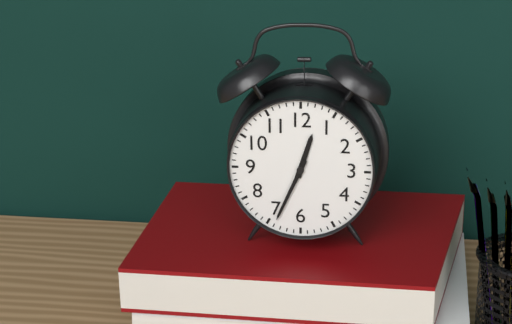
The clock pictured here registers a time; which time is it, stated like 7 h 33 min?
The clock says 12 h 34 min
